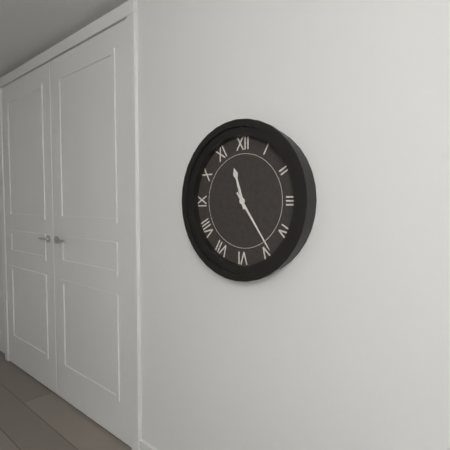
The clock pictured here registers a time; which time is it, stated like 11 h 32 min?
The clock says 11 h 24 min
